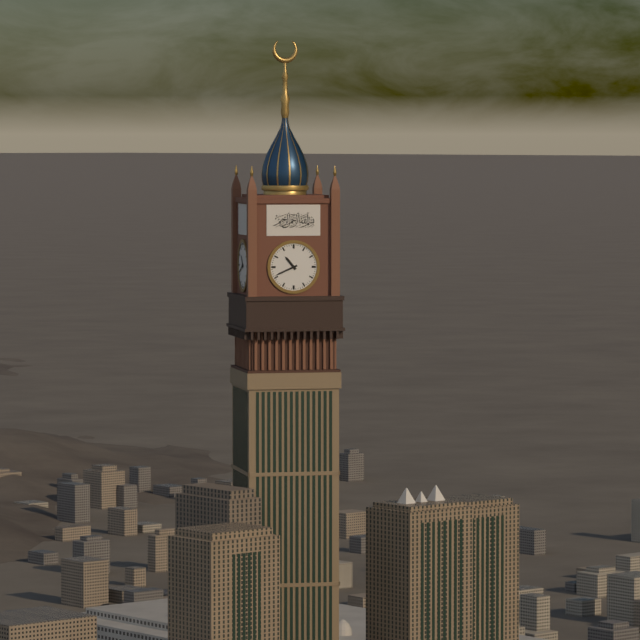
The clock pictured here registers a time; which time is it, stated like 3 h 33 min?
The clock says 10 h 41 min
